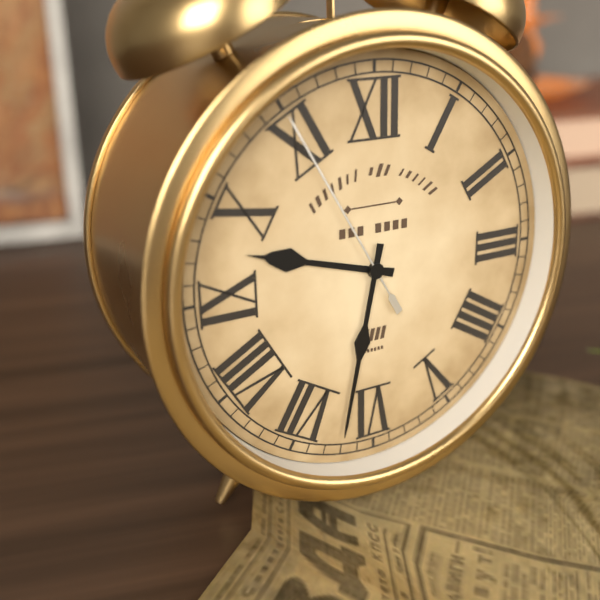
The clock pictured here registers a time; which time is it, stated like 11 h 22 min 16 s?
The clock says 9 h 32 min 55 s
